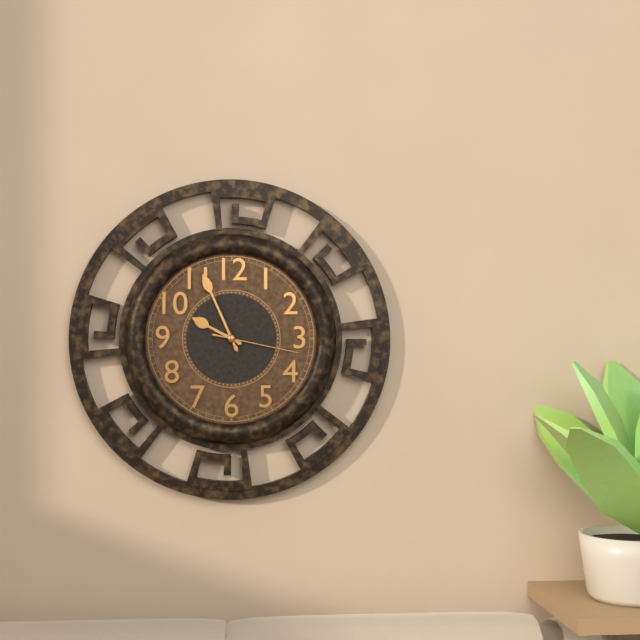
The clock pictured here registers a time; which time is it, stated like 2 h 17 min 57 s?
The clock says 9 h 56 min 17 s
